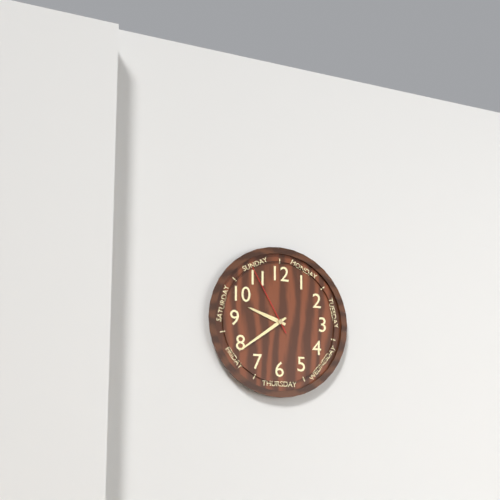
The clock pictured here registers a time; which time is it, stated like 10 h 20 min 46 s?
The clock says 9 h 39 min 55 s
